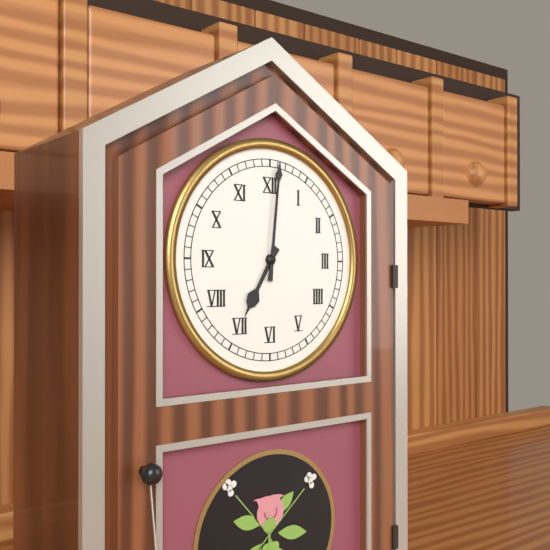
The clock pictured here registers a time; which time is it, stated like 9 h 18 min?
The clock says 7 h 01 min
